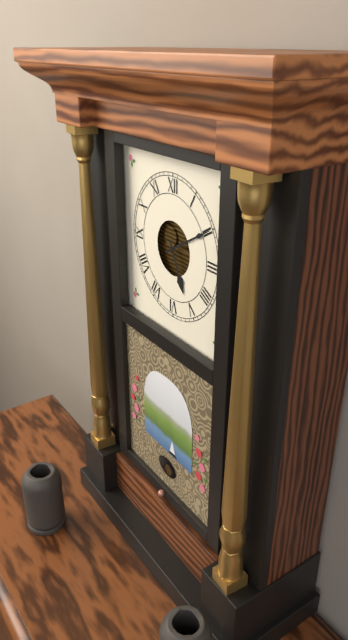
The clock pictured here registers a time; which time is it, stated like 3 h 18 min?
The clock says 5 h 10 min
